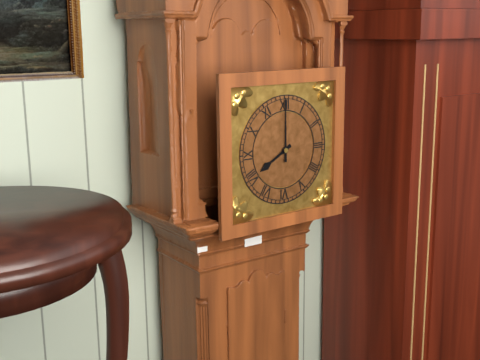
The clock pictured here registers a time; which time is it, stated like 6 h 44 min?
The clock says 8 h 00 min
